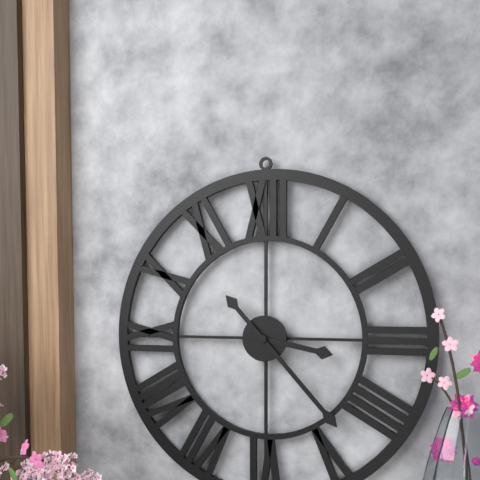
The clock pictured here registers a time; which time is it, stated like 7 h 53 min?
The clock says 3 h 23 min
